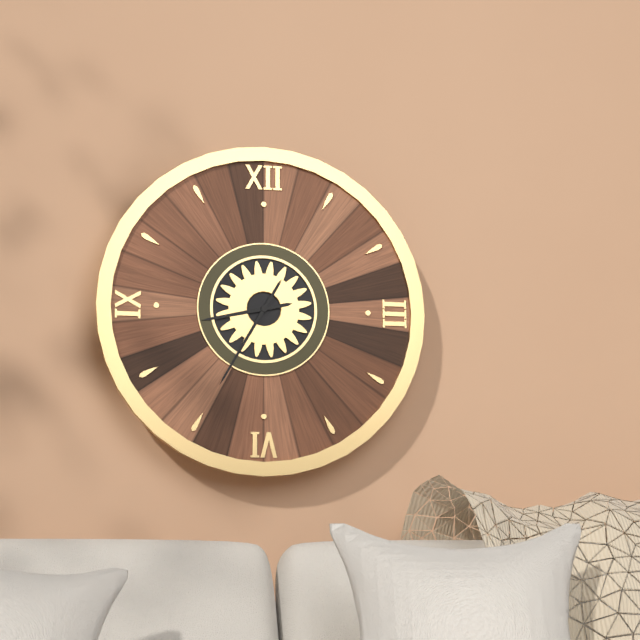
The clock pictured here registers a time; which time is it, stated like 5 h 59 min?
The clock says 8 h 35 min
